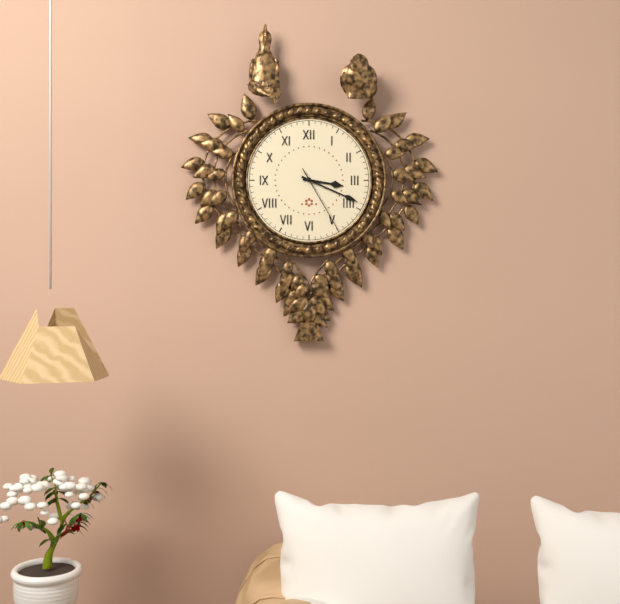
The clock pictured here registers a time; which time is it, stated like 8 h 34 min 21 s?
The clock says 3 h 19 min 25 s
